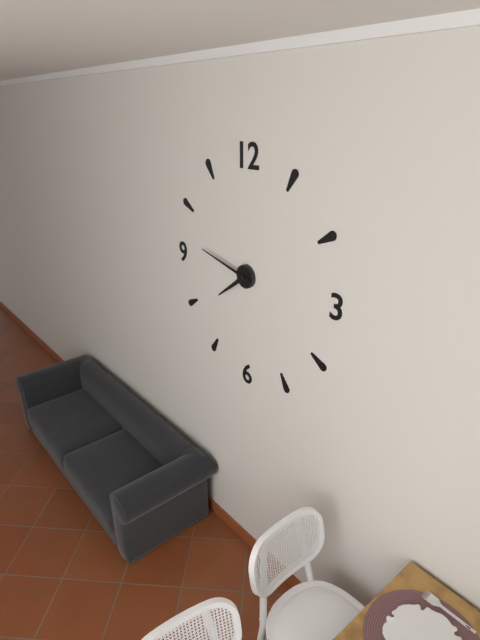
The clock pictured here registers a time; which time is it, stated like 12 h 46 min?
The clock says 7 h 47 min
